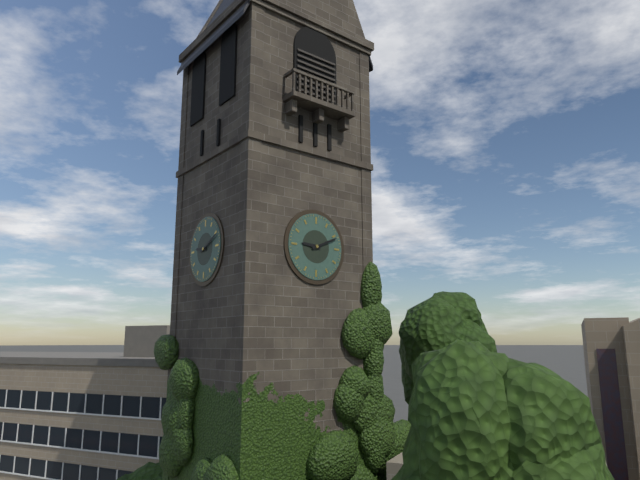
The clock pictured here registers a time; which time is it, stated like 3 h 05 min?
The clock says 9 h 11 min
